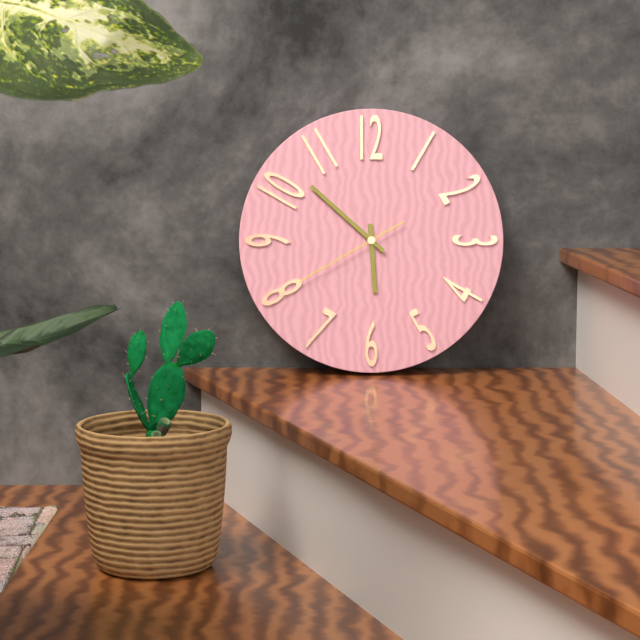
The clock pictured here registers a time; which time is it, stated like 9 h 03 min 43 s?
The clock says 5 h 52 min 40 s
